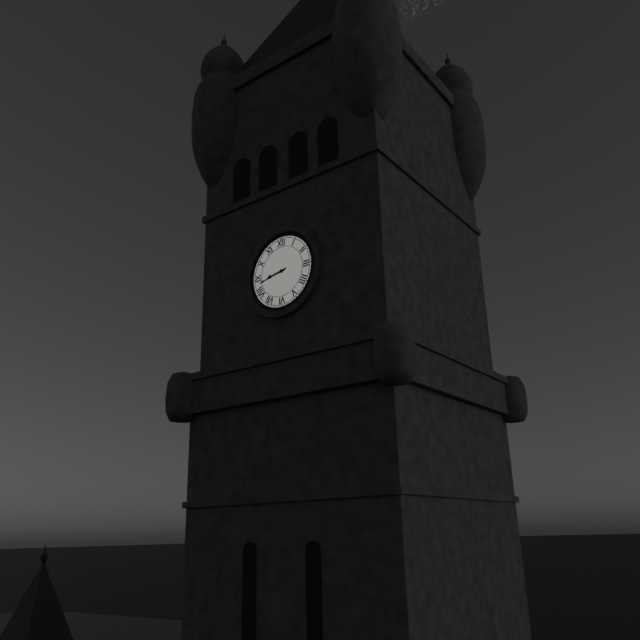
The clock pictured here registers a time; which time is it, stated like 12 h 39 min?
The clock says 8 h 43 min
